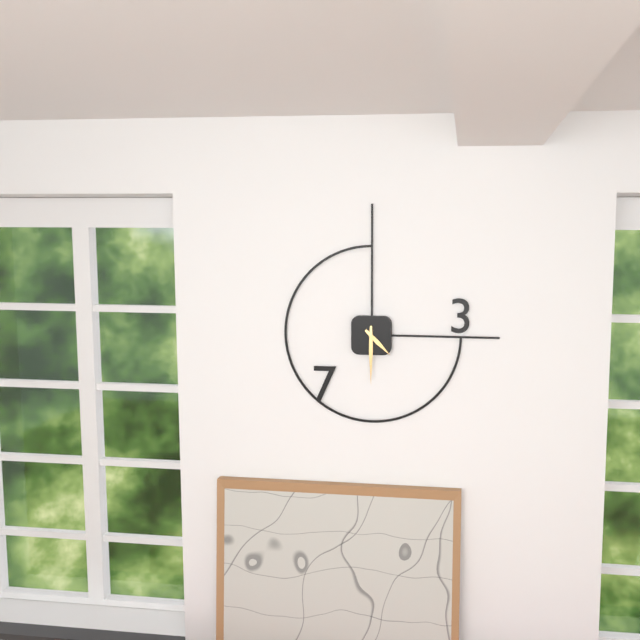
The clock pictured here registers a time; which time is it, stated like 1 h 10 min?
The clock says 4 h 30 min
